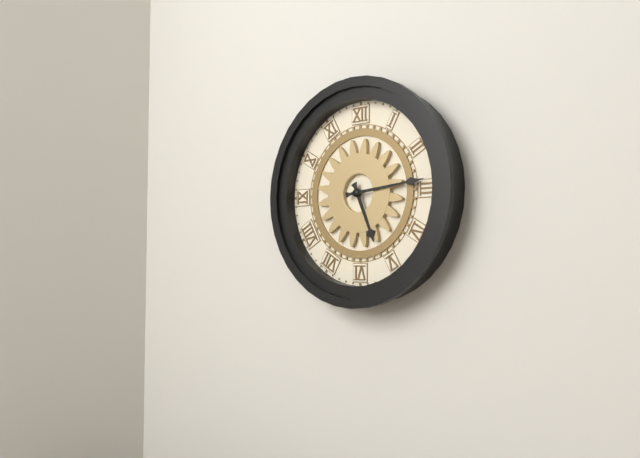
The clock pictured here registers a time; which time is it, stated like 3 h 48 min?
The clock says 5 h 14 min
